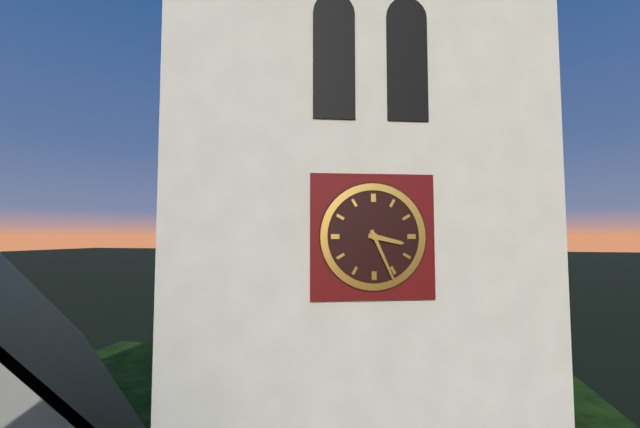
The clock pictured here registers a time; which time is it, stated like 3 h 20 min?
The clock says 3 h 26 min
